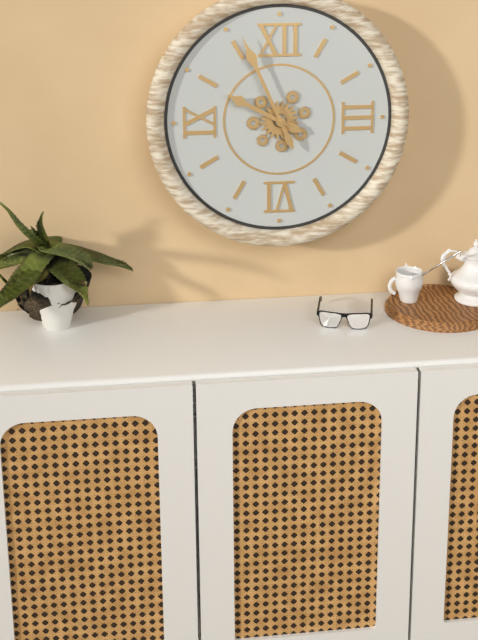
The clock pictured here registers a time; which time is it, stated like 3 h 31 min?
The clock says 9 h 56 min
